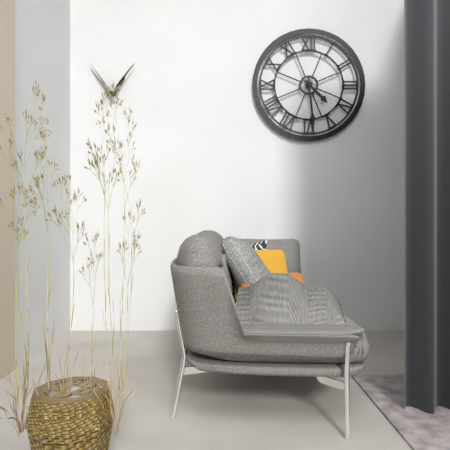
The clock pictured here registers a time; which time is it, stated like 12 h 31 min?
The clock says 4 h 29 min
